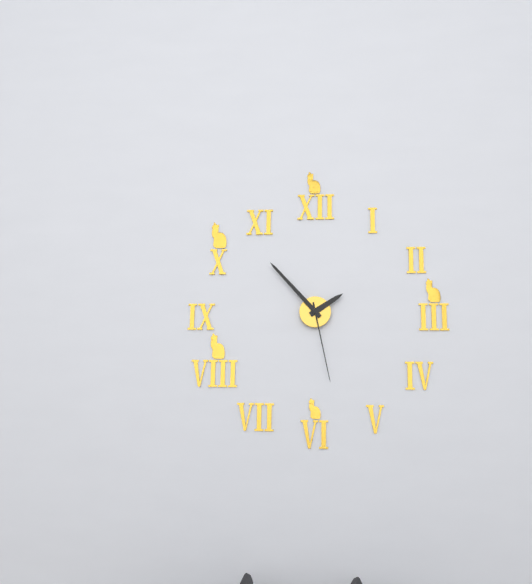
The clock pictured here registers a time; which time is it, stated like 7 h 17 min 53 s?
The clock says 1 h 53 min 28 s
